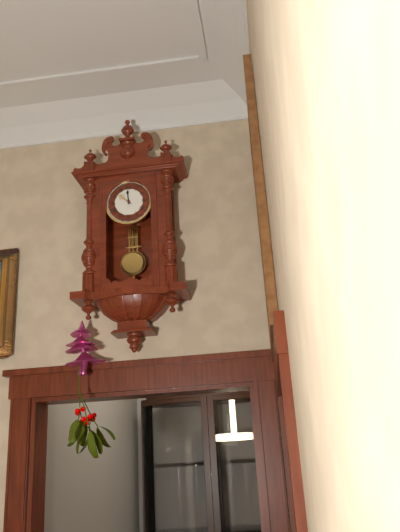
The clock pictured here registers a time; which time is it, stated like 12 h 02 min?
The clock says 11 h 52 min
